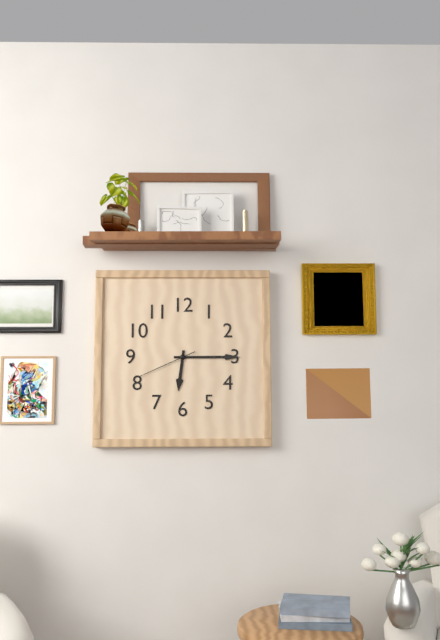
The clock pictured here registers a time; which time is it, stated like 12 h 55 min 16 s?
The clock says 6 h 15 min 41 s
